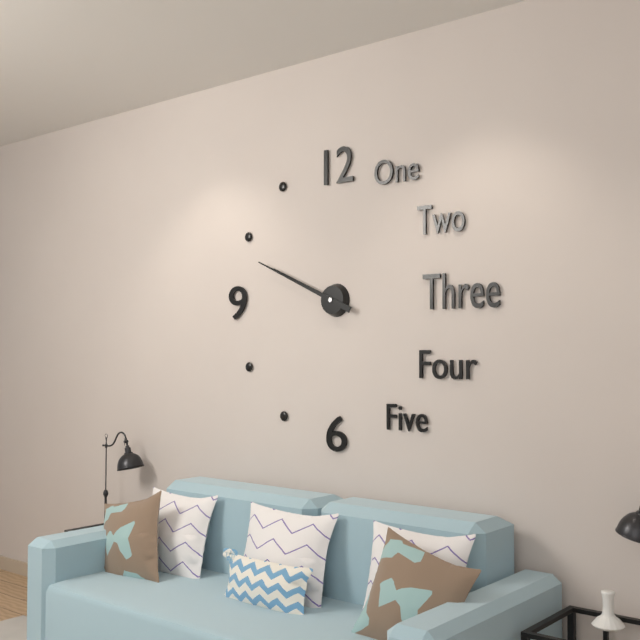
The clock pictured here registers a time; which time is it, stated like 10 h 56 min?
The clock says 9 h 49 min
